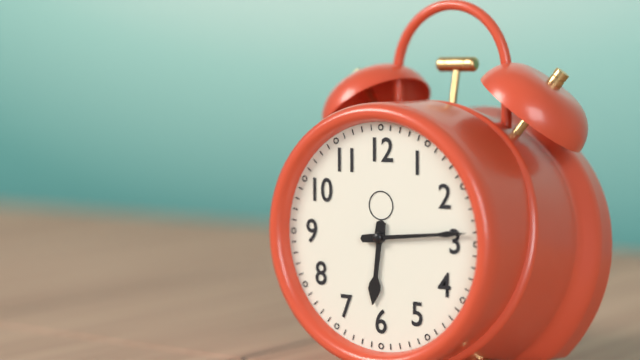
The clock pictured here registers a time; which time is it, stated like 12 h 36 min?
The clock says 6 h 14 min
